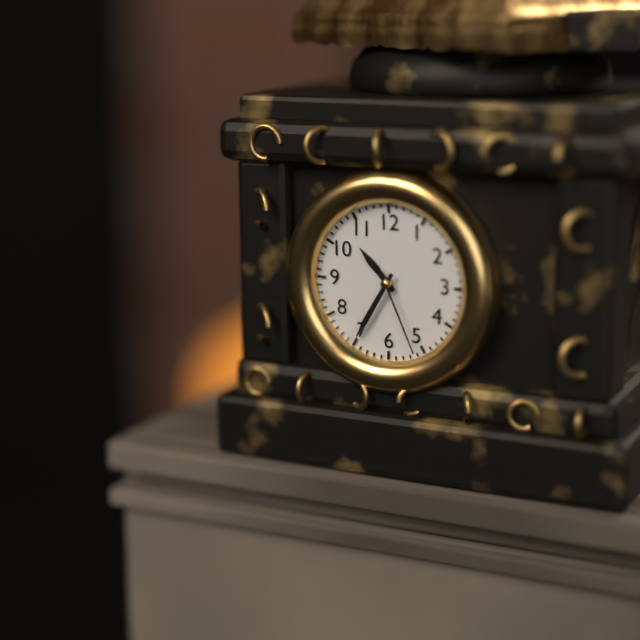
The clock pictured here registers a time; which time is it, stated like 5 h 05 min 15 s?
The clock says 10 h 35 min 26 s
